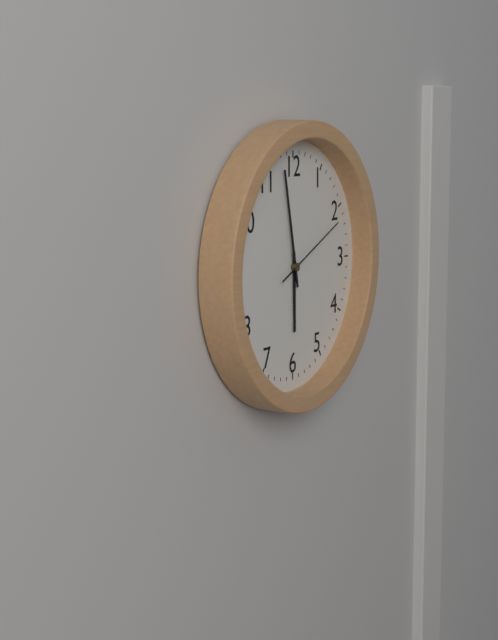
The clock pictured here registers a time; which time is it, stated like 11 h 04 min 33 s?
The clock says 5 h 58 min 11 s
